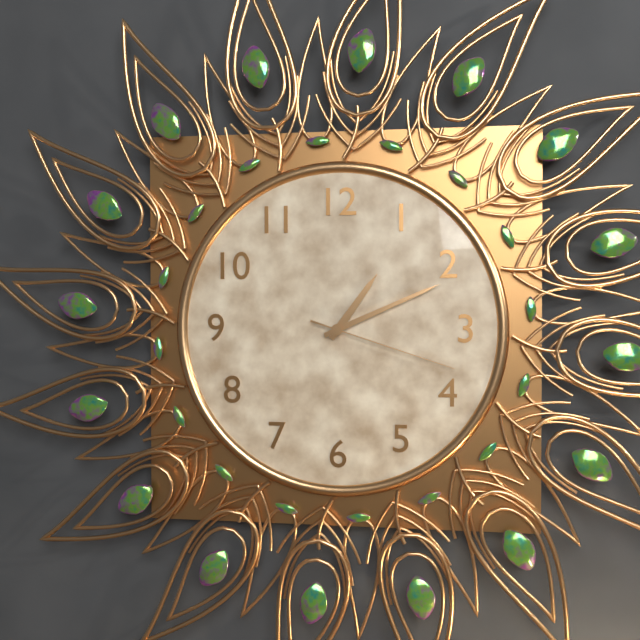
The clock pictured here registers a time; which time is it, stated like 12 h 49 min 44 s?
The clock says 1 h 11 min 18 s
